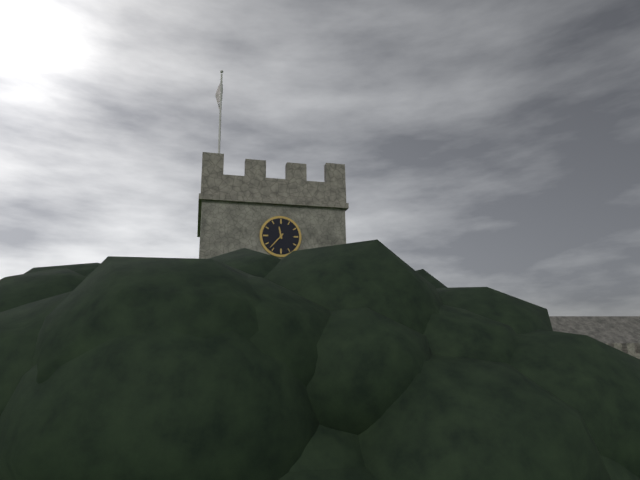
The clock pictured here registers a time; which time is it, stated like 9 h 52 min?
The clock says 11 h 37 min
